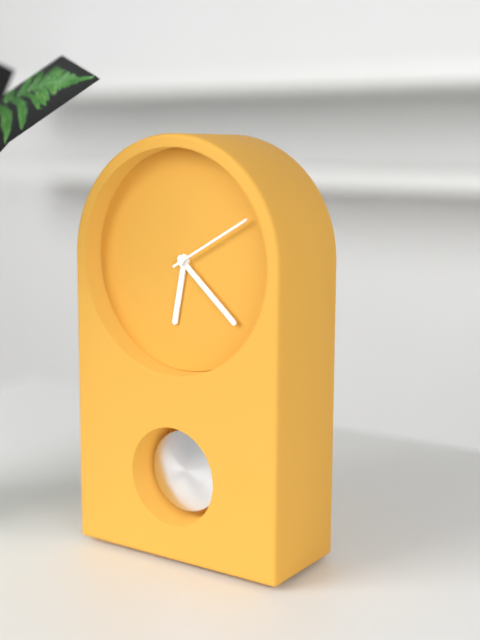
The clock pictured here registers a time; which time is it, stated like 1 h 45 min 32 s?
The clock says 6 h 22 min 10 s
